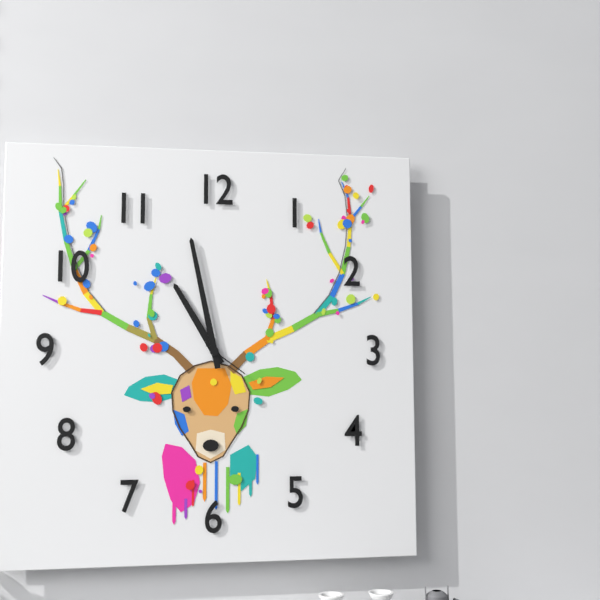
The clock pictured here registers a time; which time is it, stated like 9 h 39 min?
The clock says 10 h 58 min
